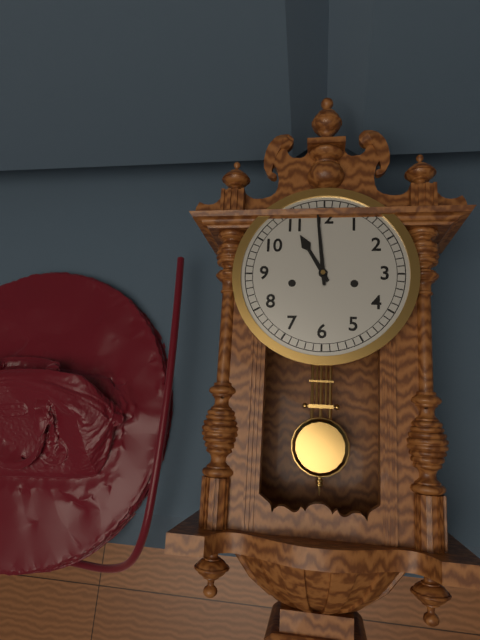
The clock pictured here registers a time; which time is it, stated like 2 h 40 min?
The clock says 10 h 59 min
